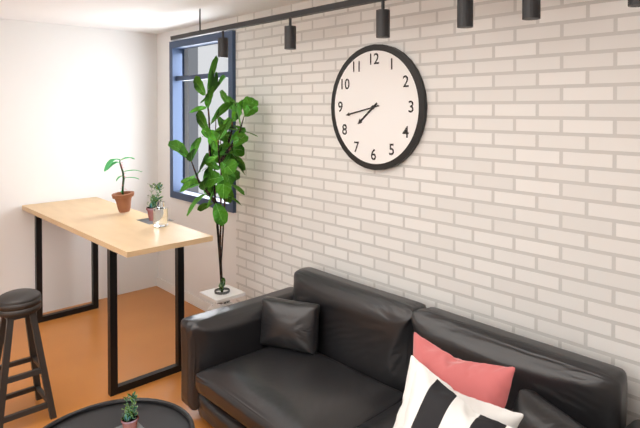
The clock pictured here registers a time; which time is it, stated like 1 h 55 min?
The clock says 7 h 43 min
